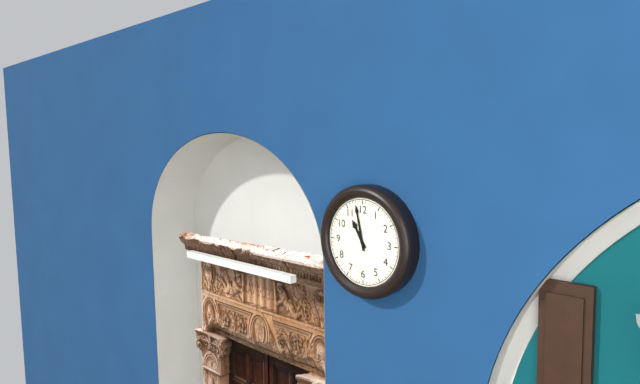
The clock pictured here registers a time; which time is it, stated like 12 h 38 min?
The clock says 10 h 58 min
